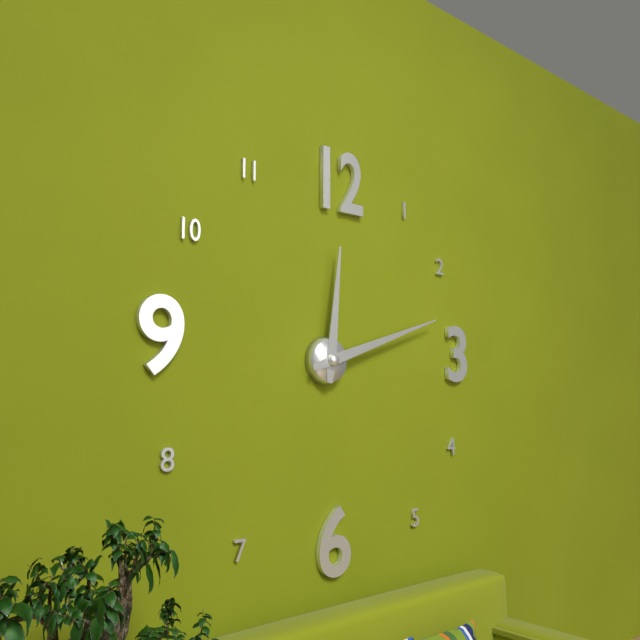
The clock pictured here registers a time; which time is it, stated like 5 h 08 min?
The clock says 12 h 12 min
